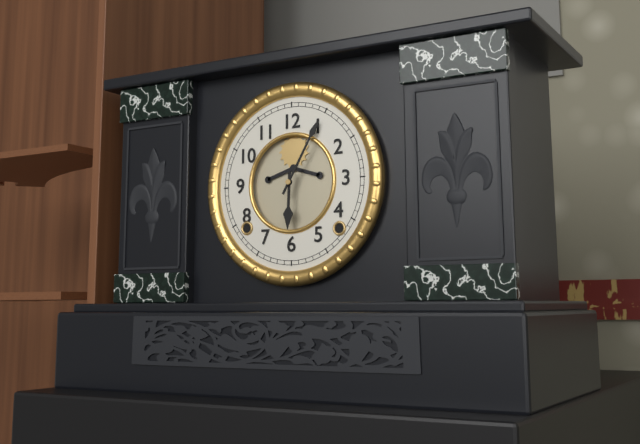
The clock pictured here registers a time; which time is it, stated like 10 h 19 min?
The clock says 6 h 05 min
